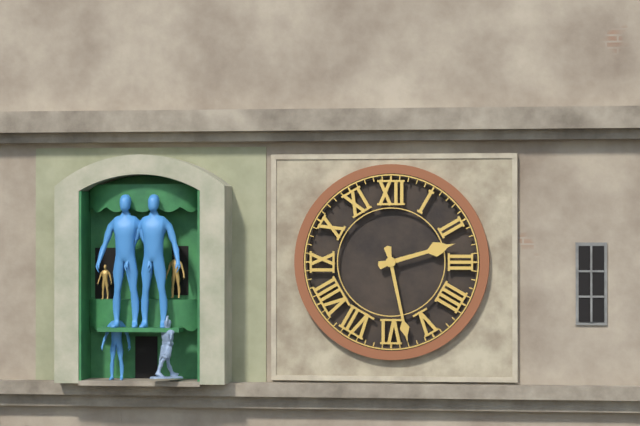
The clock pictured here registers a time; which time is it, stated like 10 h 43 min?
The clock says 2 h 28 min
